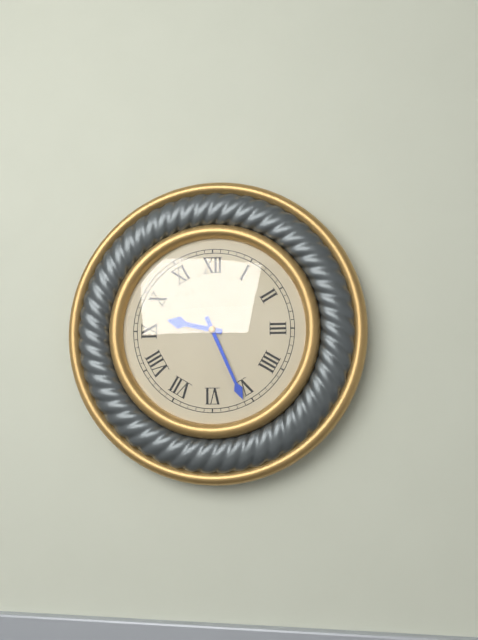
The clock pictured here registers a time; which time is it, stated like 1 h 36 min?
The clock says 9 h 26 min
